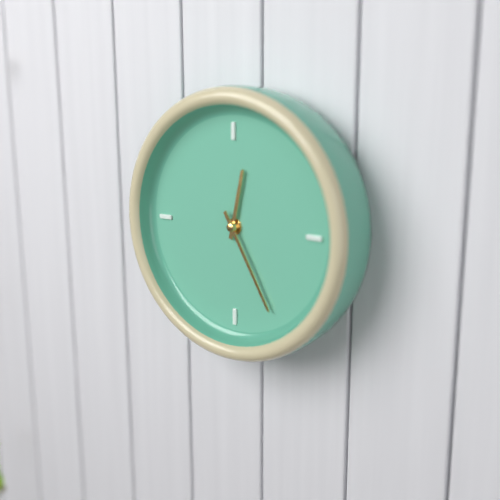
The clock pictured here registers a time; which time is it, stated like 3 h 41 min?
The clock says 12 h 25 min
